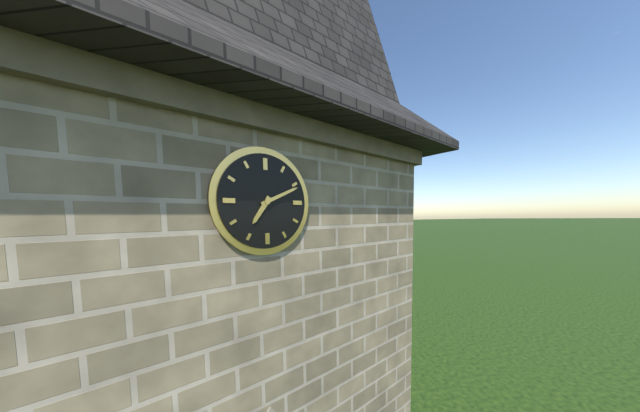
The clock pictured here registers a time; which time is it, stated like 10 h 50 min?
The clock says 7 h 11 min
